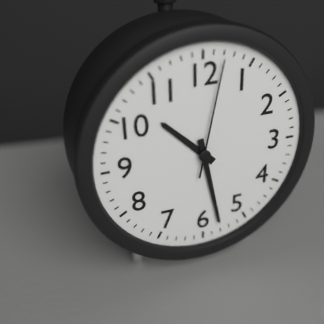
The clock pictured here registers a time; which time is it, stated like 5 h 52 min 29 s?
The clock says 10 h 28 min 02 s
